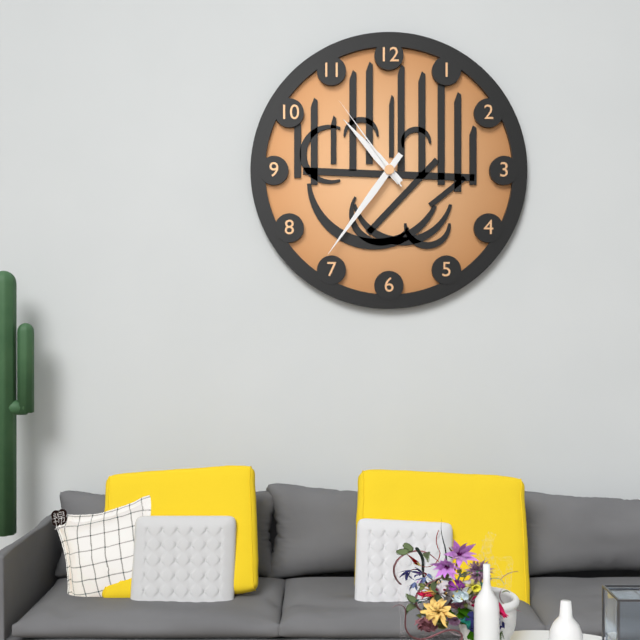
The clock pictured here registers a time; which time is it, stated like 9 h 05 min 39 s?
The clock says 10 h 36 min 54 s
